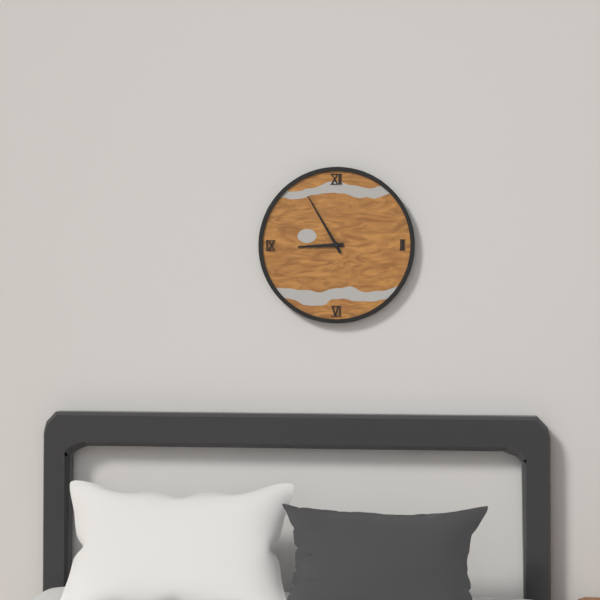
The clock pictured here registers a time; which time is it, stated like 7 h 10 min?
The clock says 8 h 55 min
